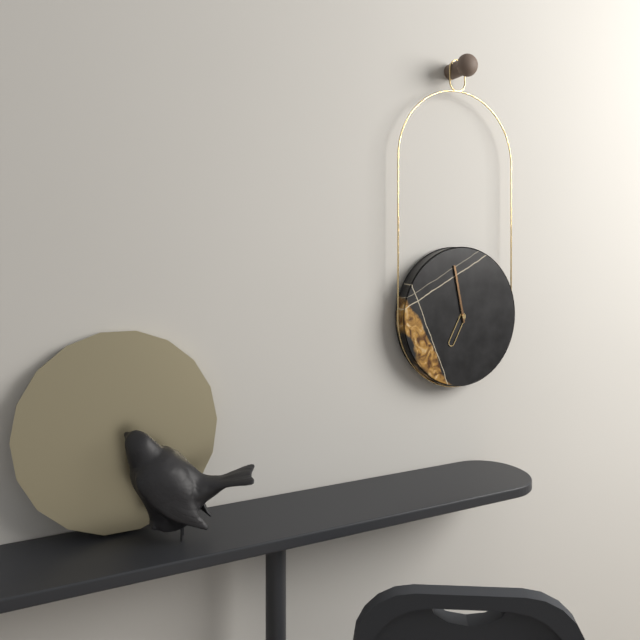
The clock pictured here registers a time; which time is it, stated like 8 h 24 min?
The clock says 6 h 58 min
